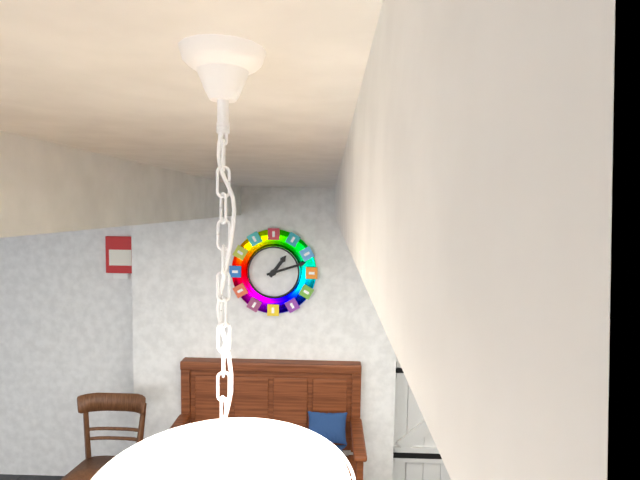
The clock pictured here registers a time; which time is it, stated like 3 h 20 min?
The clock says 1 h 12 min
